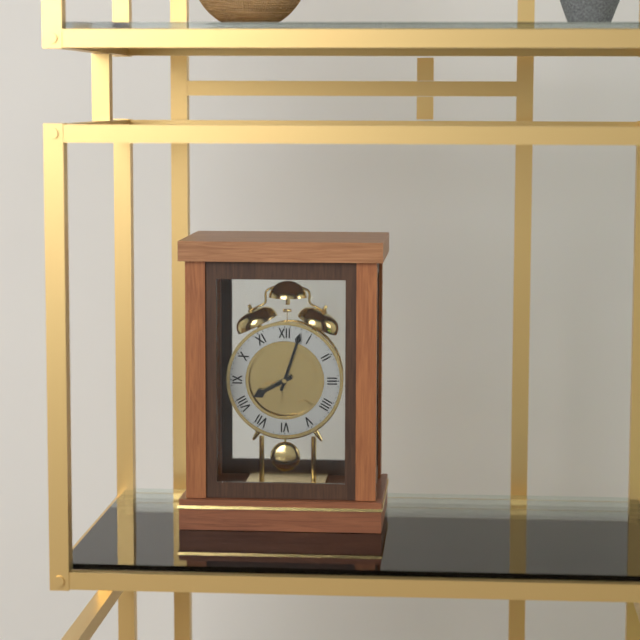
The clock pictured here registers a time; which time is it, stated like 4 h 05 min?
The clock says 8 h 03 min
